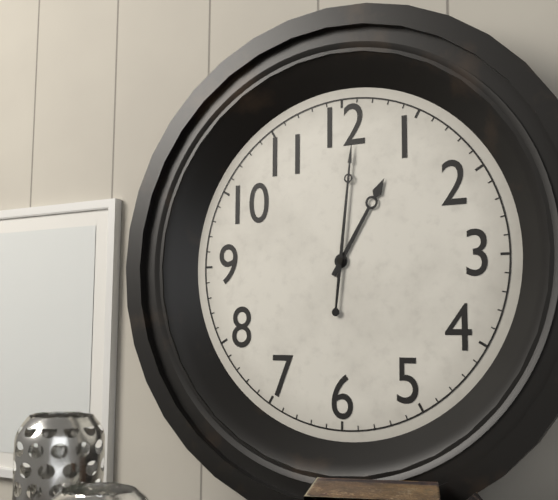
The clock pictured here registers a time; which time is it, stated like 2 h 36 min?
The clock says 1 h 01 min
